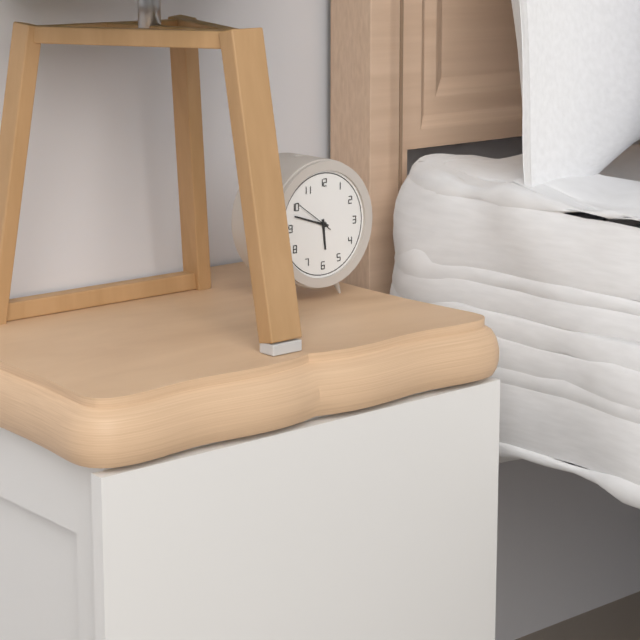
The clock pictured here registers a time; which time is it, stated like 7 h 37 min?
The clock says 5 h 48 min
